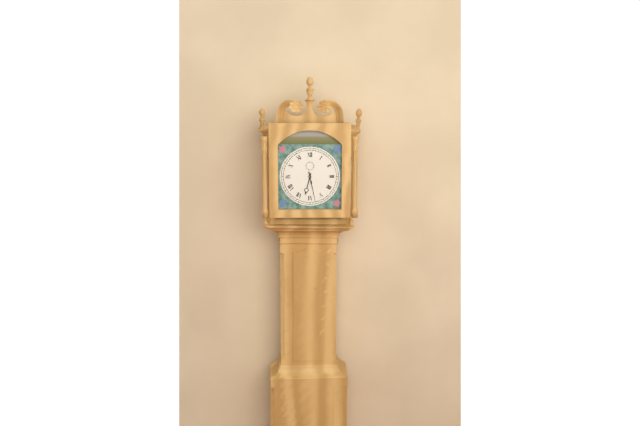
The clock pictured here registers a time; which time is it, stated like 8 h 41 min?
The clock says 6 h 28 min
